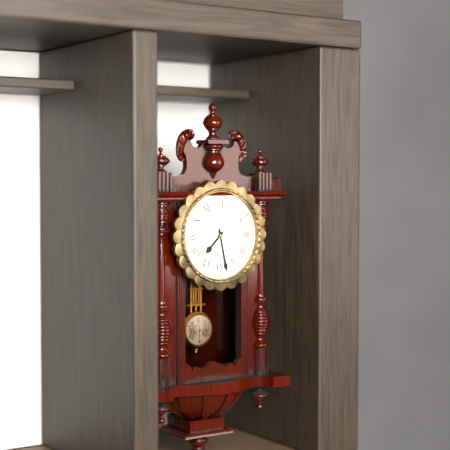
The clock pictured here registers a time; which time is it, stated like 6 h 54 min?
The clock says 7 h 28 min
